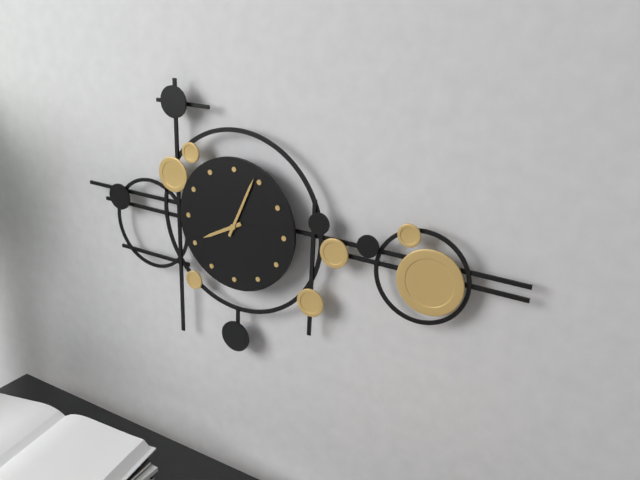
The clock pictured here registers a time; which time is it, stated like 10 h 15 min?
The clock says 8 h 04 min
